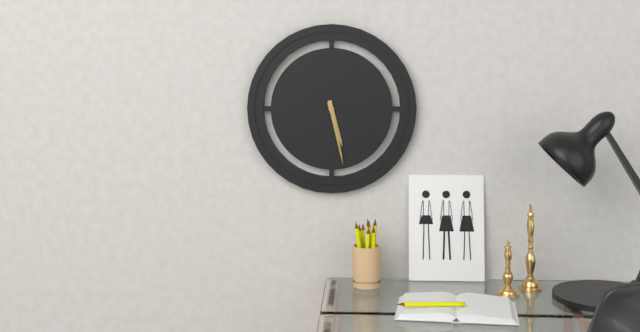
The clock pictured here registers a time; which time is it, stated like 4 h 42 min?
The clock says 5 h 28 min
